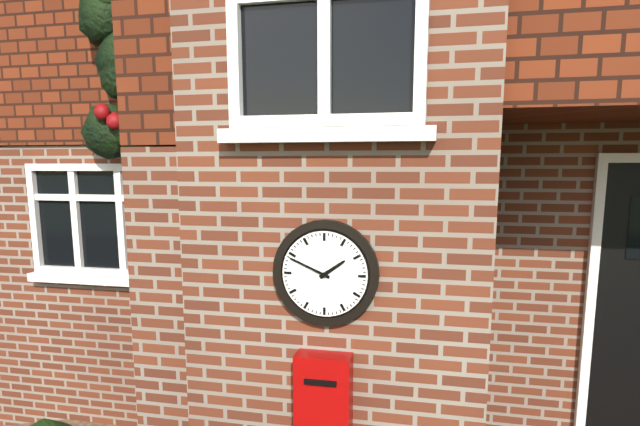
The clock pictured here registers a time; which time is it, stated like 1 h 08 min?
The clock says 1 h 49 min
